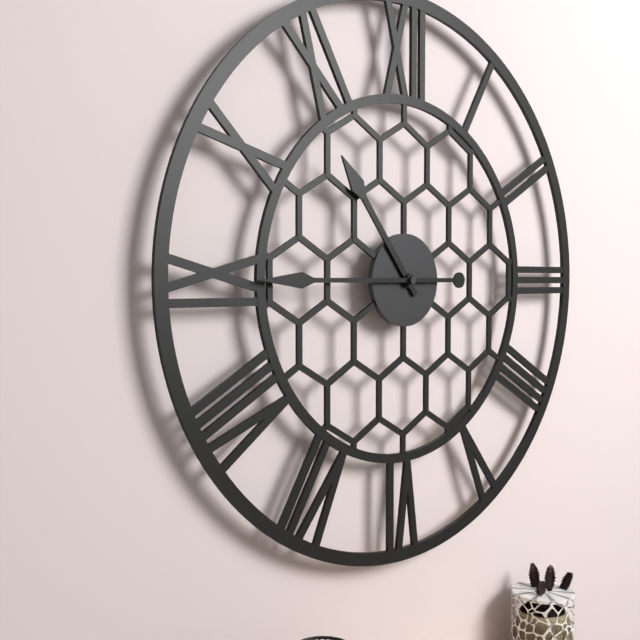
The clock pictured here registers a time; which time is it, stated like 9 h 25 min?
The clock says 10 h 45 min
